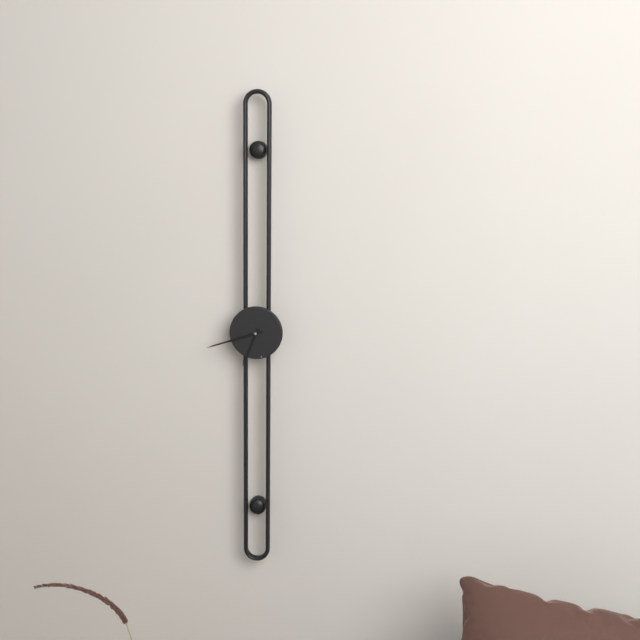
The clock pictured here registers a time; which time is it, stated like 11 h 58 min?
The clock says 6 h 42 min
